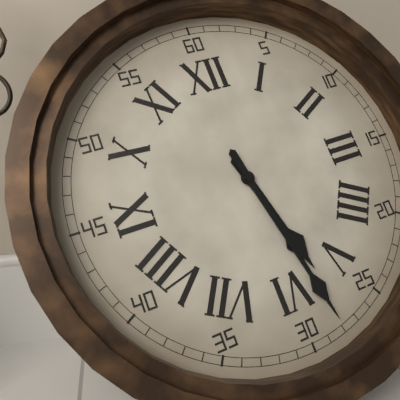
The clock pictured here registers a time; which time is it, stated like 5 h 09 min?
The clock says 5 h 28 min
